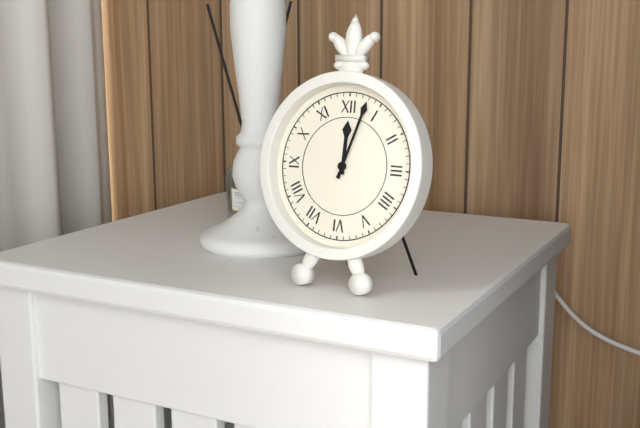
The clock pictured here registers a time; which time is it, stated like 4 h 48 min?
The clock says 12 h 03 min
